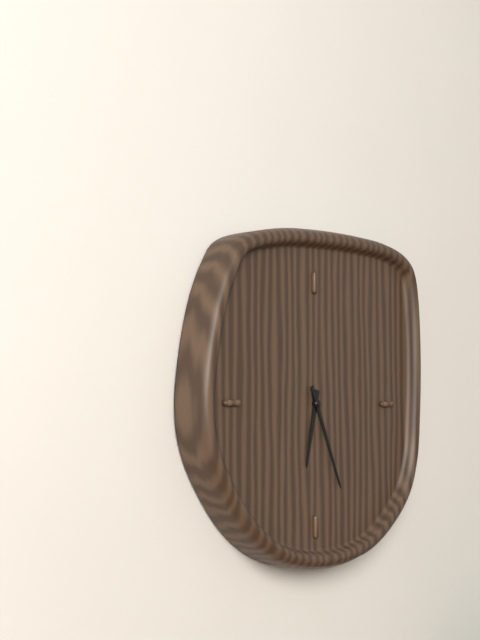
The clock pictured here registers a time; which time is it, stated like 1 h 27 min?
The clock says 6 h 26 min
